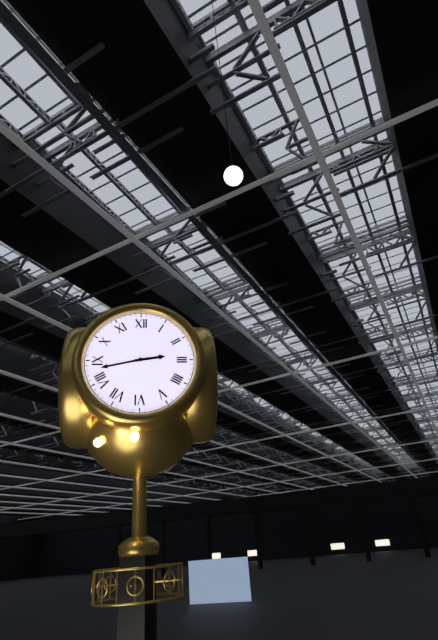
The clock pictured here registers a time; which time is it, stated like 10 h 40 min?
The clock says 2 h 43 min
